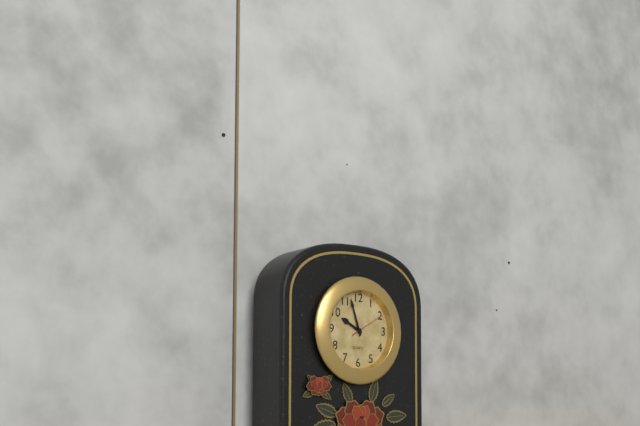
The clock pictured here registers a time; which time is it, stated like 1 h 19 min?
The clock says 9 h 57 min
